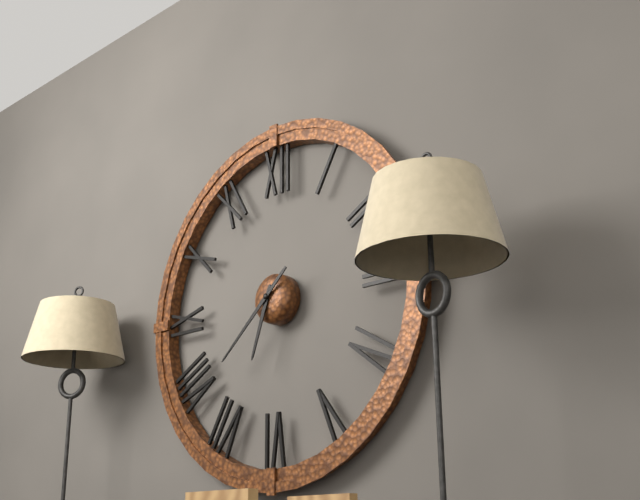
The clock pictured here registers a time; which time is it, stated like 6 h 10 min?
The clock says 6 h 38 min
